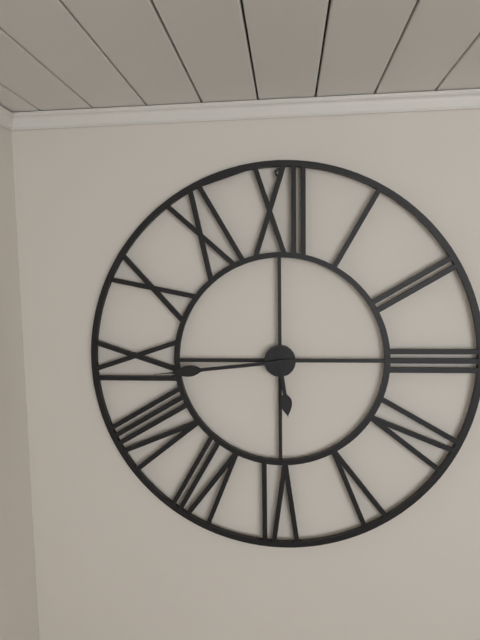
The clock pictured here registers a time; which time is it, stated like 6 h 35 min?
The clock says 5 h 44 min
